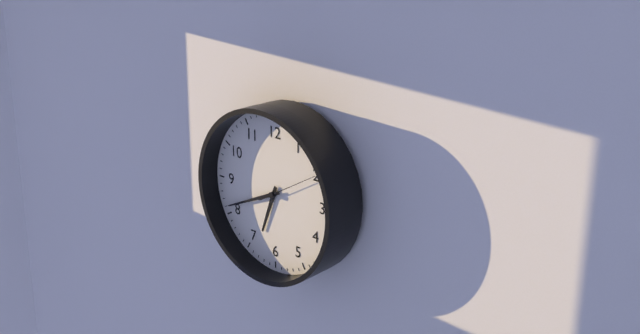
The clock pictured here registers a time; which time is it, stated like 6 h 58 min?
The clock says 6 h 41 min
